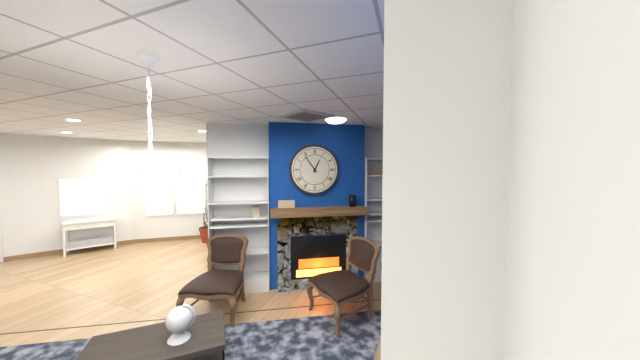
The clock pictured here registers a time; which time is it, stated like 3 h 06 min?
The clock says 12 h 54 min
